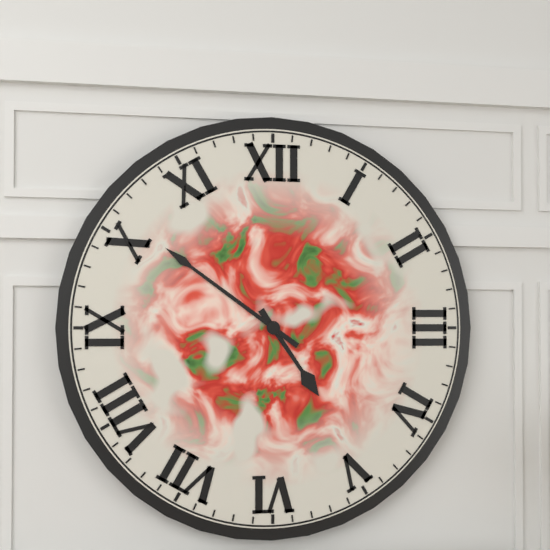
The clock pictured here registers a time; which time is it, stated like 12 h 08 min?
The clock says 4 h 51 min
